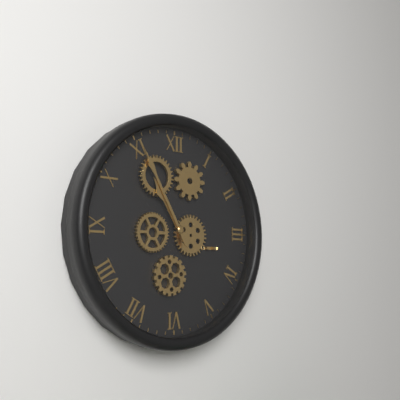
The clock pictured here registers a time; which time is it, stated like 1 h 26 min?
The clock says 10 h 55 min
